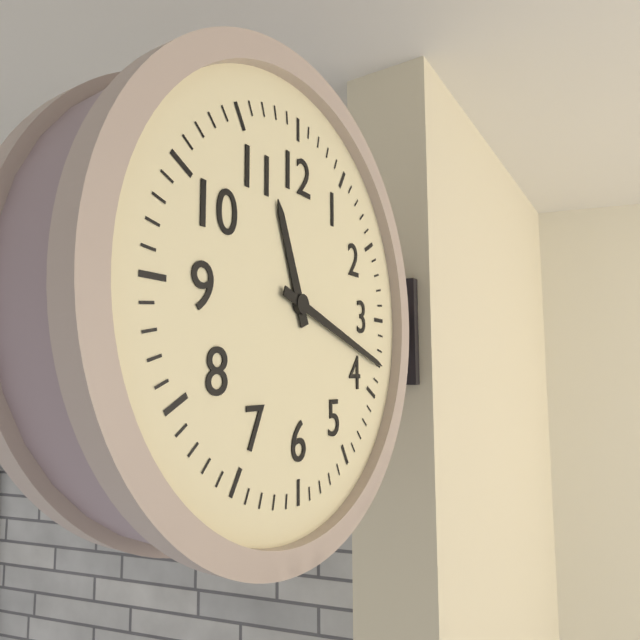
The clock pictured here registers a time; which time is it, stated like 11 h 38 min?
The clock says 11 h 18 min
